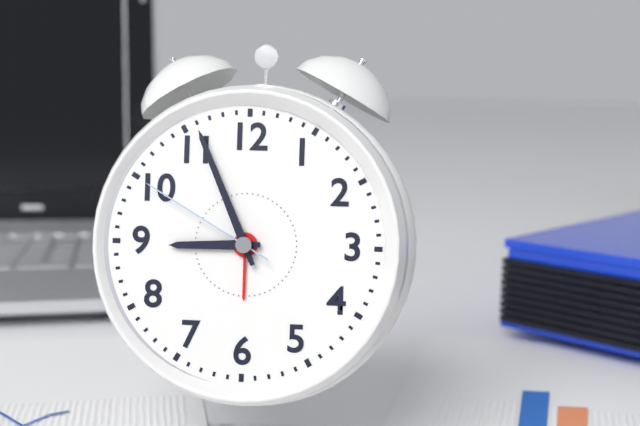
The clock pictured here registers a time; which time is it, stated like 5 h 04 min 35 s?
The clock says 8 h 56 min 50 s
